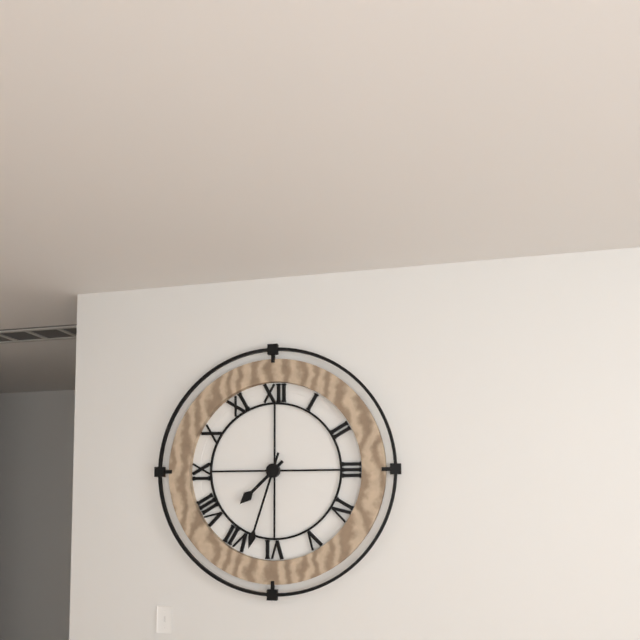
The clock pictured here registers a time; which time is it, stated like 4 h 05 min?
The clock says 7 h 33 min
